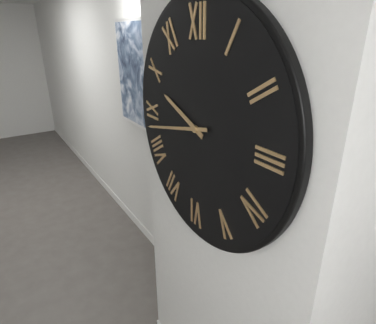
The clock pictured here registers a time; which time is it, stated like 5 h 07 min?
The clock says 9 h 43 min
